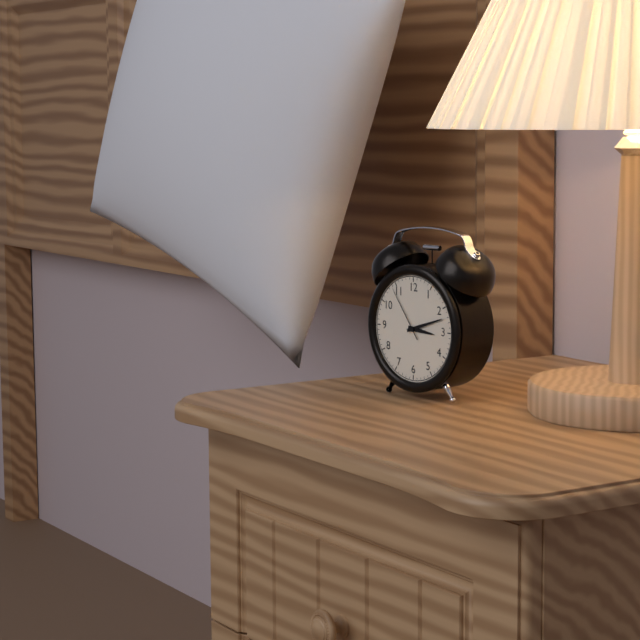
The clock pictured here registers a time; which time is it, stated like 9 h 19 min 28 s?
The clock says 3 h 12 min 54 s
